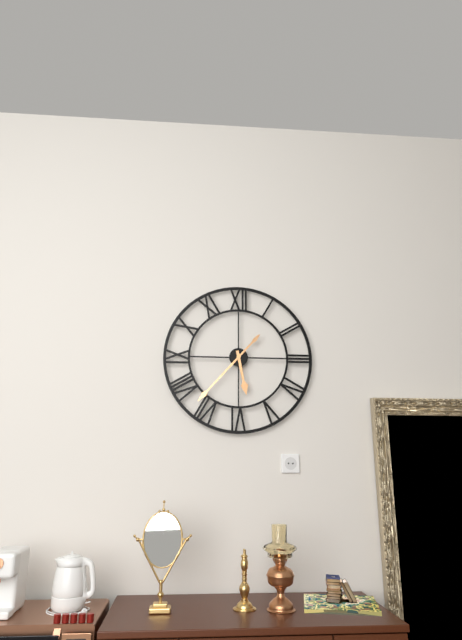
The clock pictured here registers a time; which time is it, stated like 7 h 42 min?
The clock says 5 h 37 min
